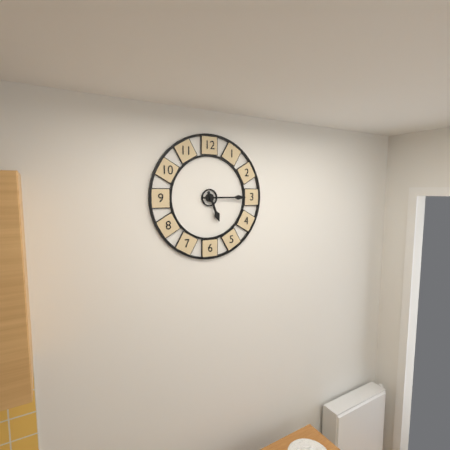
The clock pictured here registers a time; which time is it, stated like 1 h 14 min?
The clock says 5 h 15 min
